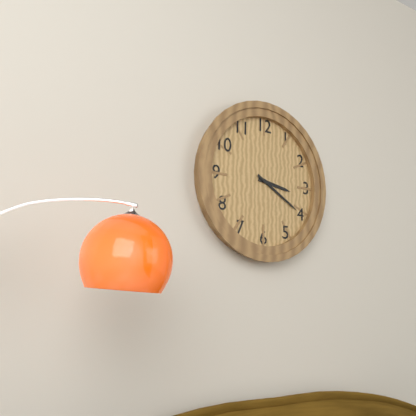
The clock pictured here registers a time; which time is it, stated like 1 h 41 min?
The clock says 3 h 20 min
